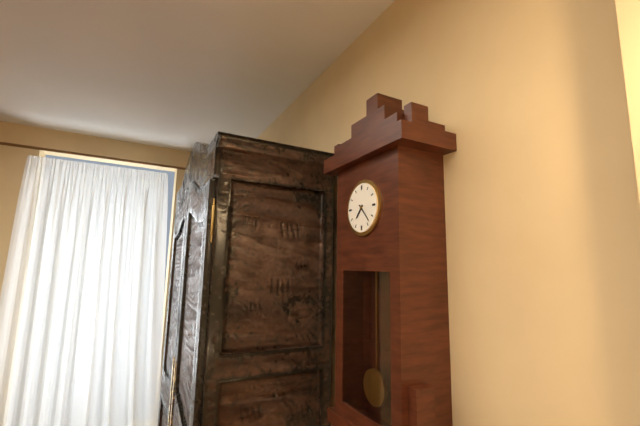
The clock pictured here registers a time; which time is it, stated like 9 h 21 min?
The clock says 7 h 23 min
